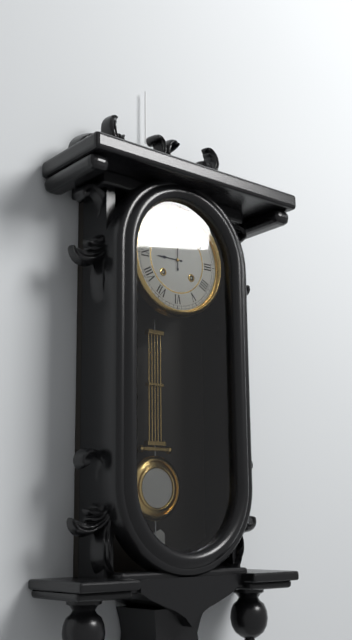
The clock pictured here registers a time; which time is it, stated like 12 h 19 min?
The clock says 9 h 00 min
